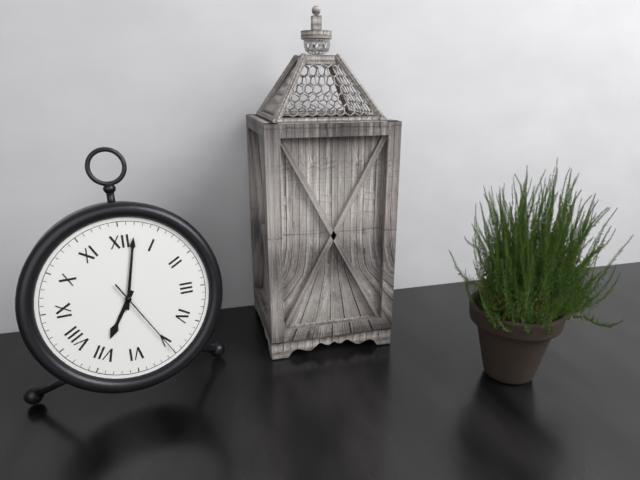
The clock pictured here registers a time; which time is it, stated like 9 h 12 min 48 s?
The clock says 7 h 02 min 25 s
